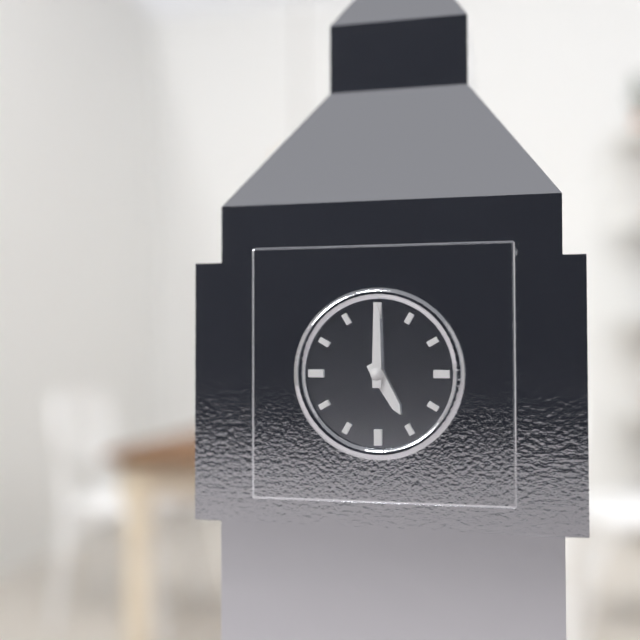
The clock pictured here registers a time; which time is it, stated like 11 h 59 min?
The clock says 5 h 00 min
